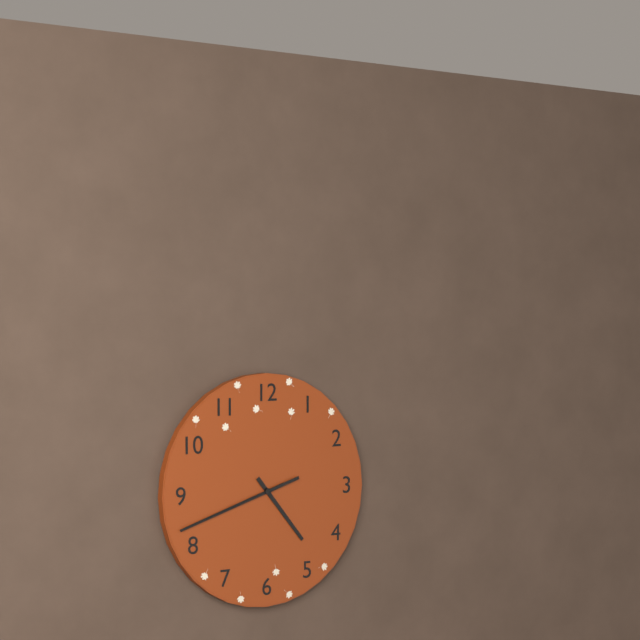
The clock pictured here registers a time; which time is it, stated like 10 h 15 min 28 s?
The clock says 4 h 42 min 42 s
